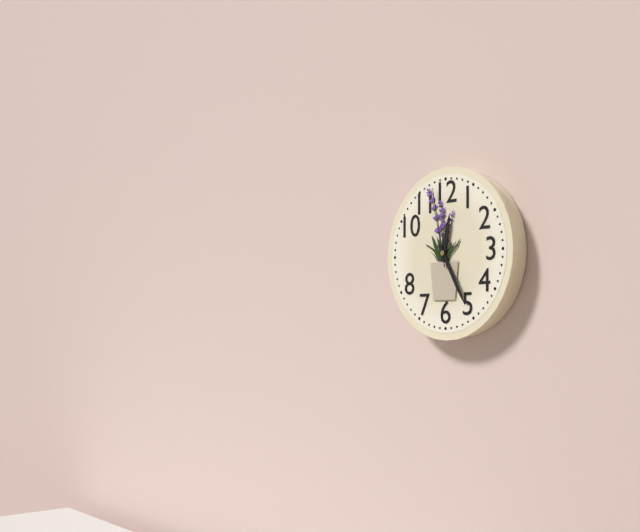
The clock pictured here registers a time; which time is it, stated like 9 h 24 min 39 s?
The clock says 12 h 25 min 58 s
